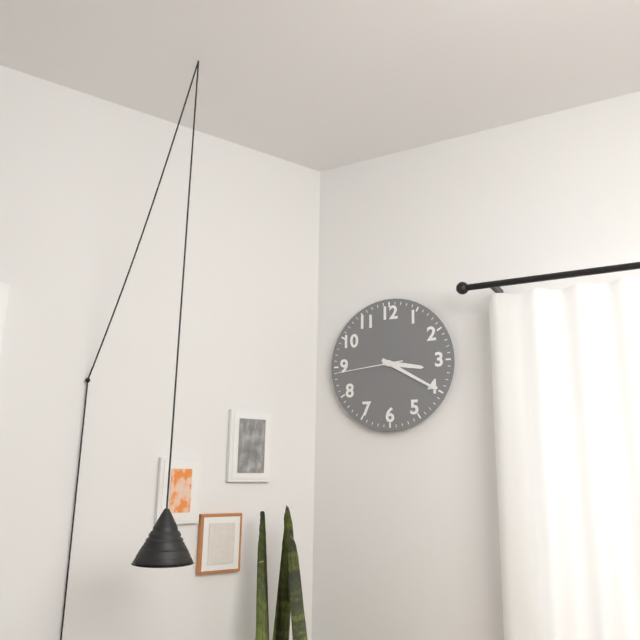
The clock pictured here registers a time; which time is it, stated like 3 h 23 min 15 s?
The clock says 3 h 20 min 44 s
